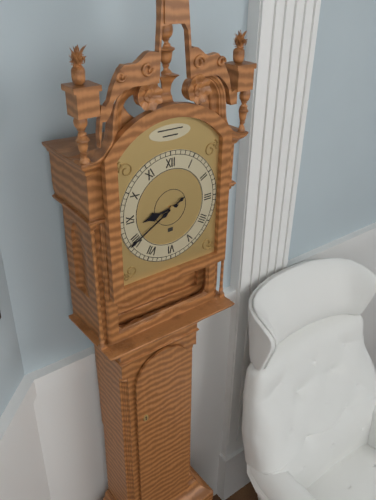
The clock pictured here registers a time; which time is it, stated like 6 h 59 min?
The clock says 8 h 40 min
